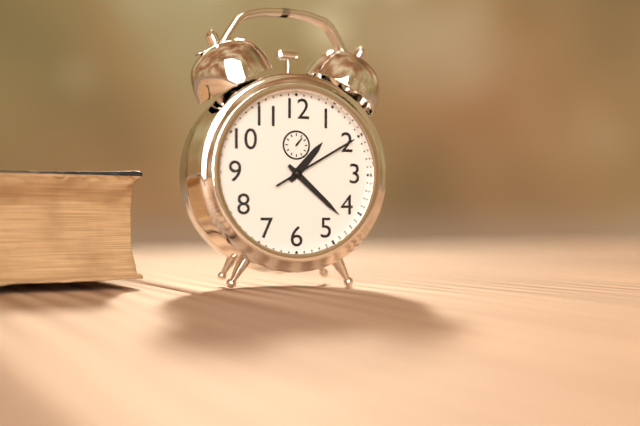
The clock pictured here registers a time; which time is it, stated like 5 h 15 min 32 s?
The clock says 1 h 22 min 10 s
